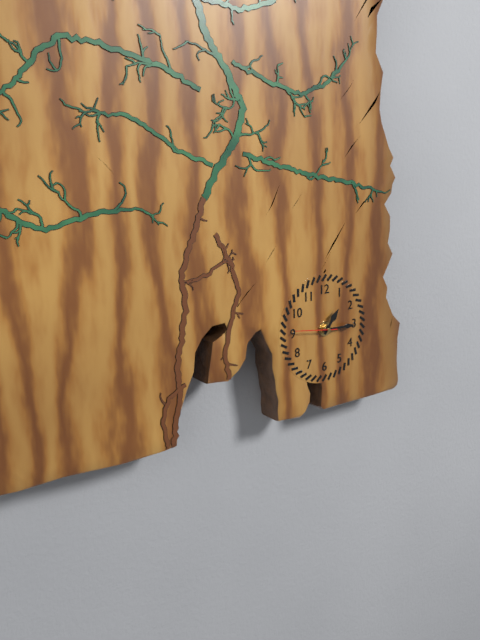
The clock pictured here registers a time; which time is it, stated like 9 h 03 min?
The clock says 1 h 15 min
